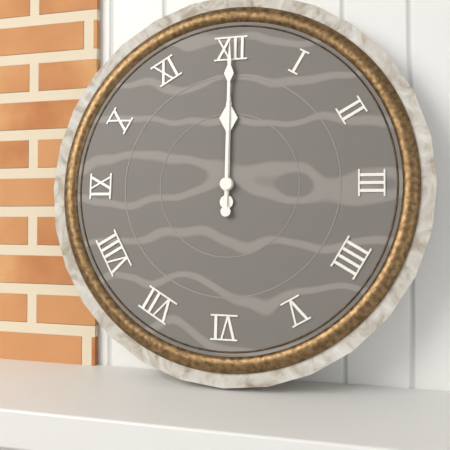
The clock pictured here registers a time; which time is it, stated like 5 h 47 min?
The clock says 12 h 00 min
